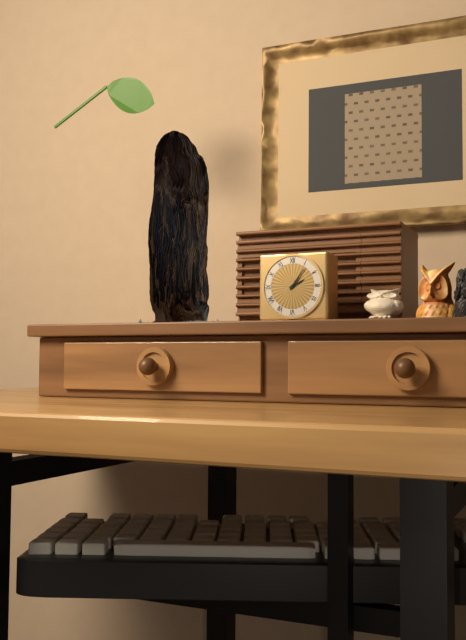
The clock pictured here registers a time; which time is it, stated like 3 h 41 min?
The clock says 2 h 06 min
